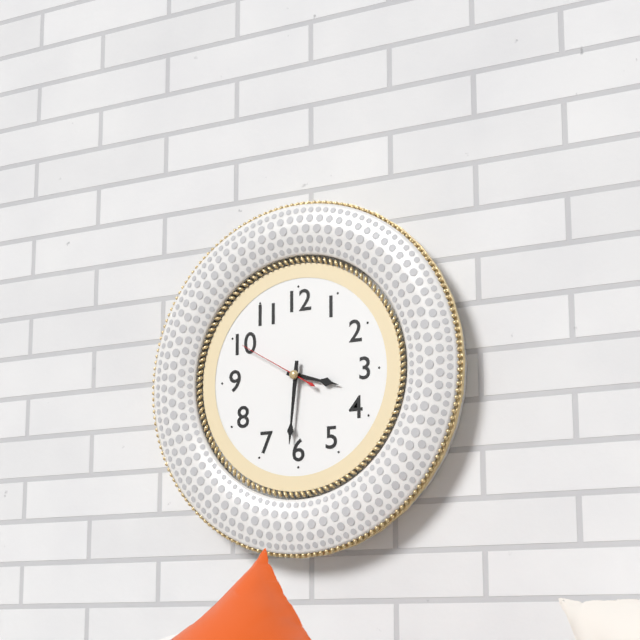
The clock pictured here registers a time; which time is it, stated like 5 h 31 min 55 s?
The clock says 3 h 31 min 50 s
